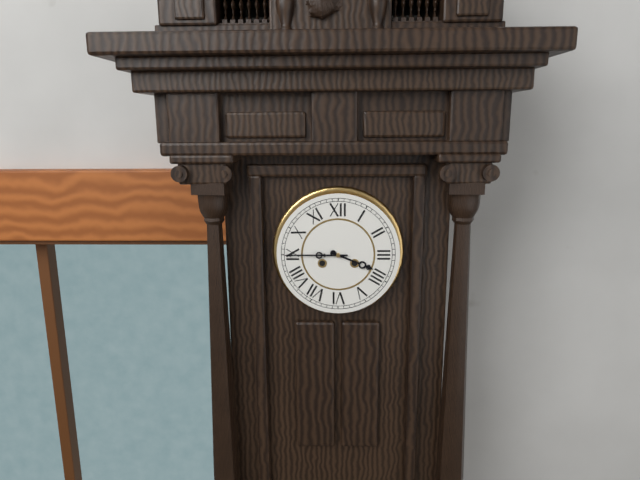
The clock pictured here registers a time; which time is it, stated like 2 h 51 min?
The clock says 3 h 45 min
